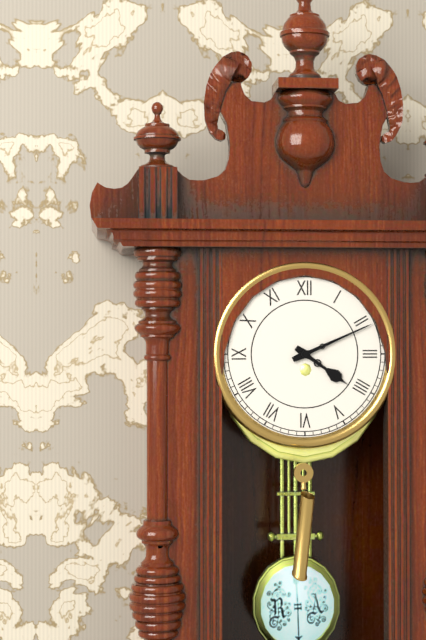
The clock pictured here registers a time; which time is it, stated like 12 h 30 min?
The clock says 4 h 11 min
